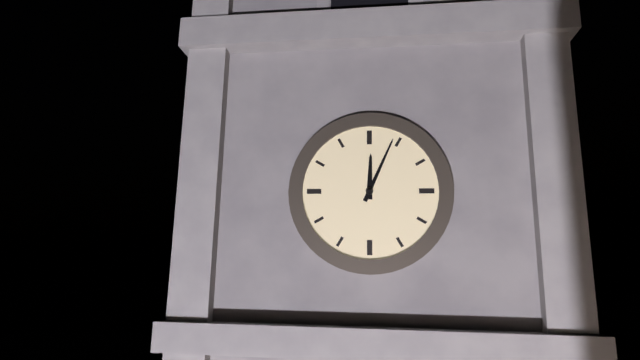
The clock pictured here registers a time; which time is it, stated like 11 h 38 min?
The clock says 12 h 04 min
